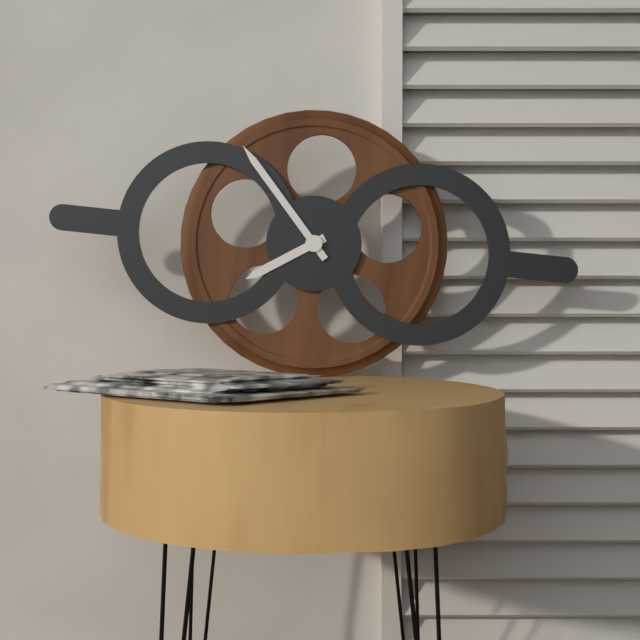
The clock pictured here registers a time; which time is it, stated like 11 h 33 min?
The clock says 7 h 53 min
